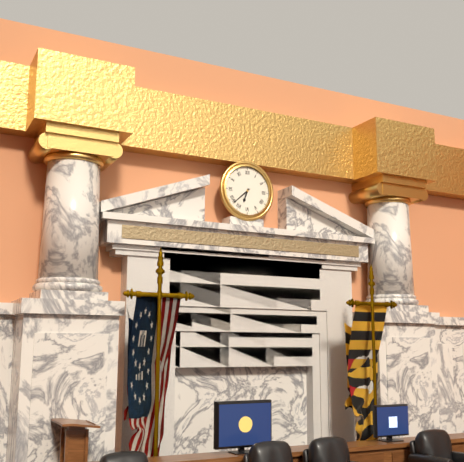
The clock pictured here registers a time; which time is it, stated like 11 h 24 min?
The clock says 6 h 38 min
